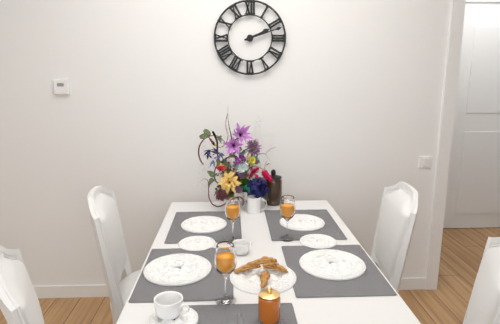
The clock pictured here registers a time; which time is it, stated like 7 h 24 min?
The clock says 2 h 12 min
